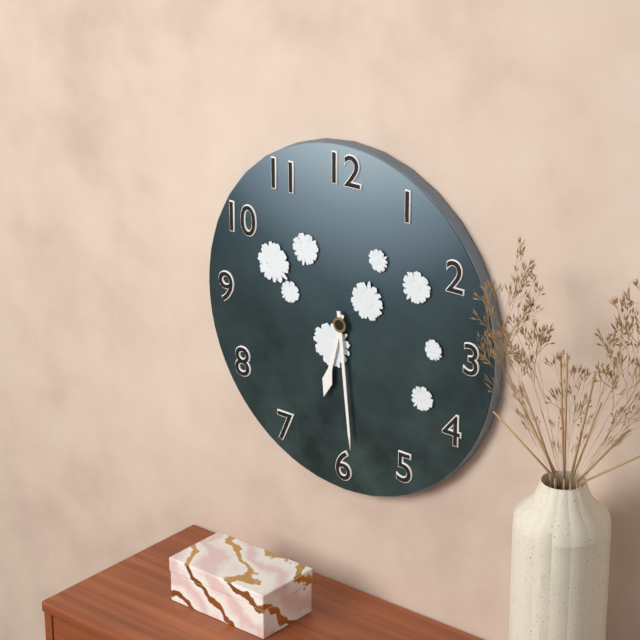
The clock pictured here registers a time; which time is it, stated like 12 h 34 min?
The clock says 6 h 29 min
